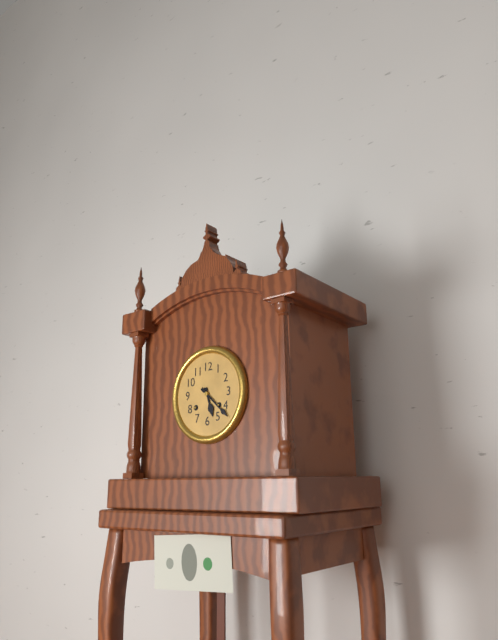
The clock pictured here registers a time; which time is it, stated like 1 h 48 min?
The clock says 5 h 22 min
